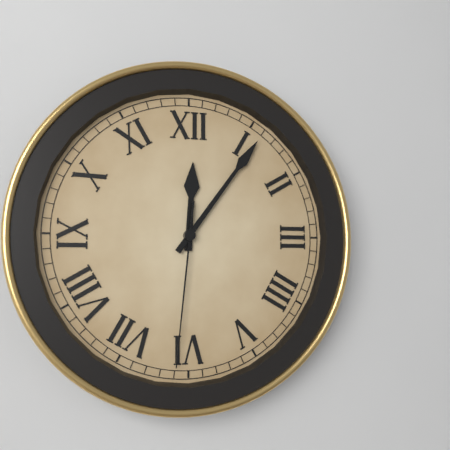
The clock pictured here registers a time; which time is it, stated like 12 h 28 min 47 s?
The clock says 12 h 06 min 31 s
